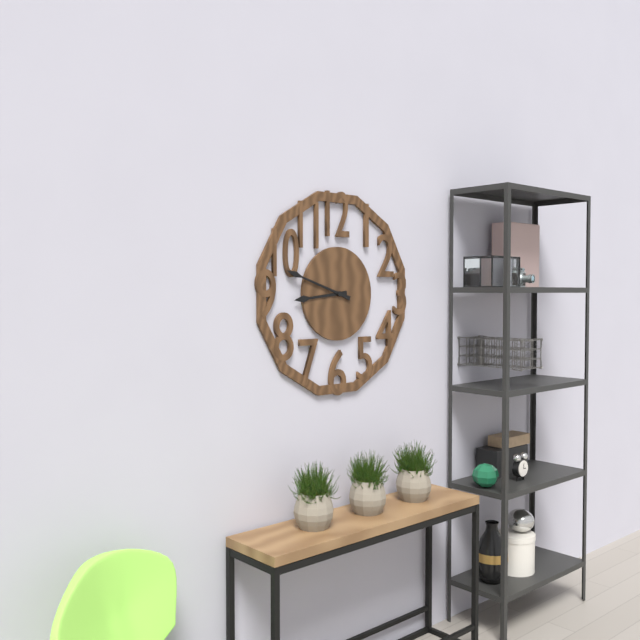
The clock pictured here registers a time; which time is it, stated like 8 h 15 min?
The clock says 8 h 48 min
